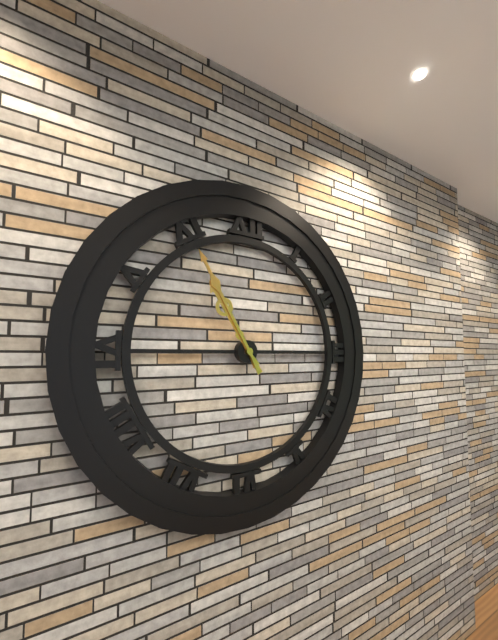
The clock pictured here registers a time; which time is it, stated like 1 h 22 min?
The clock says 10 h 55 min
